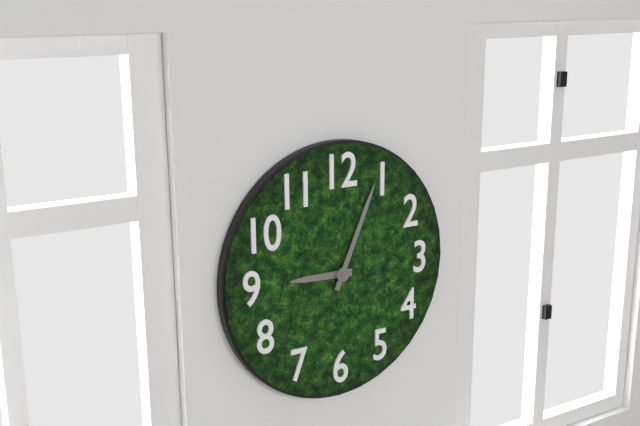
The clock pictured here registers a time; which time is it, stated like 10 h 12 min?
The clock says 9 h 04 min
